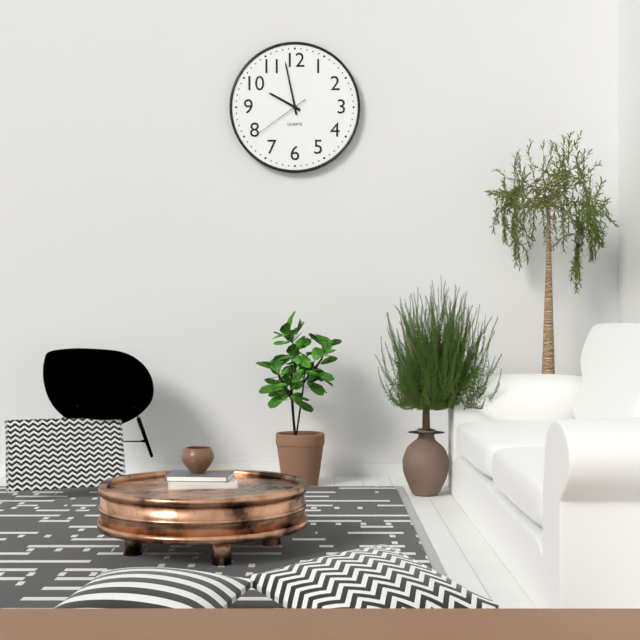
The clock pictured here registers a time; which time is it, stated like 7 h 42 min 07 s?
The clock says 9 h 58 min 39 s
